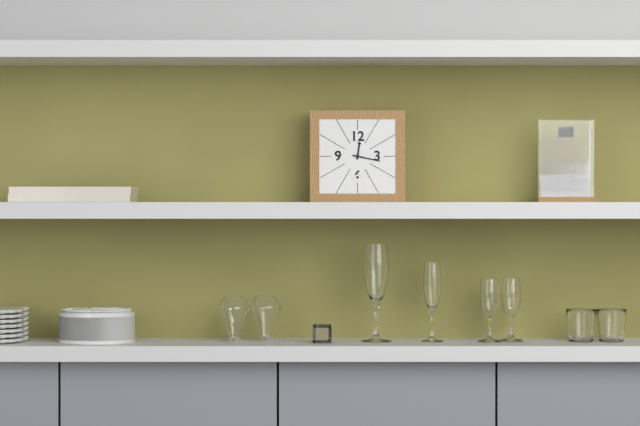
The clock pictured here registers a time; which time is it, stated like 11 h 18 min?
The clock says 12 h 17 min
